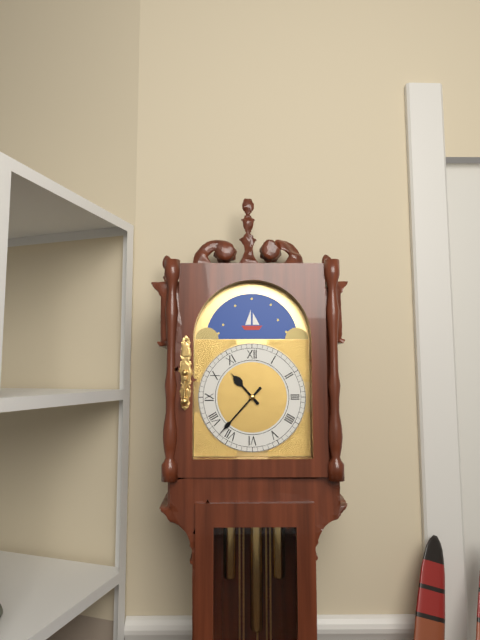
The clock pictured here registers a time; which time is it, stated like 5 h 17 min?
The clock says 10 h 37 min
